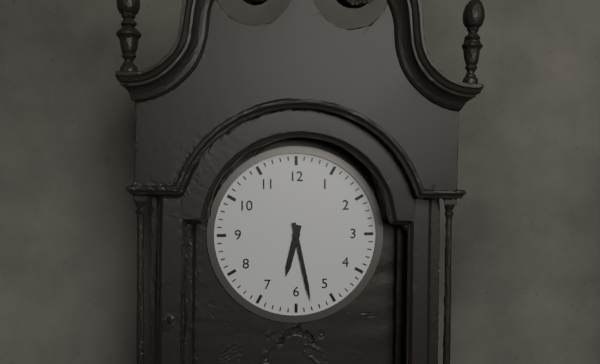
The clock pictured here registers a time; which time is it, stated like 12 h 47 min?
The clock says 6 h 28 min
